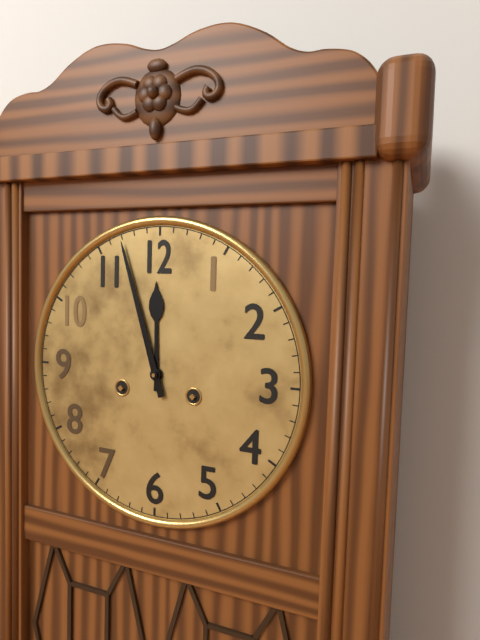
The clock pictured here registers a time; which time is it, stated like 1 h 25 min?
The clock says 11 h 57 min
